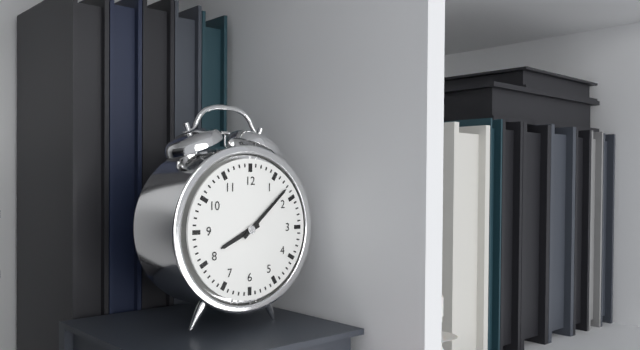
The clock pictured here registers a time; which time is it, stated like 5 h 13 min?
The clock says 8 h 08 min
